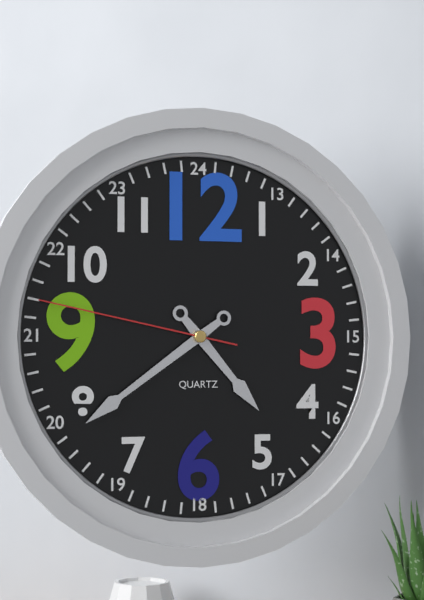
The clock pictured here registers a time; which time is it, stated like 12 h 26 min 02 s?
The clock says 4 h 39 min 47 s
